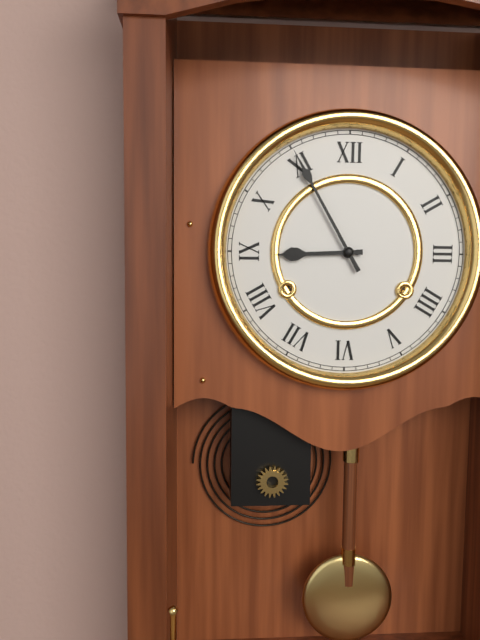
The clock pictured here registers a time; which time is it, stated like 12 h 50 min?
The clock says 8 h 55 min
